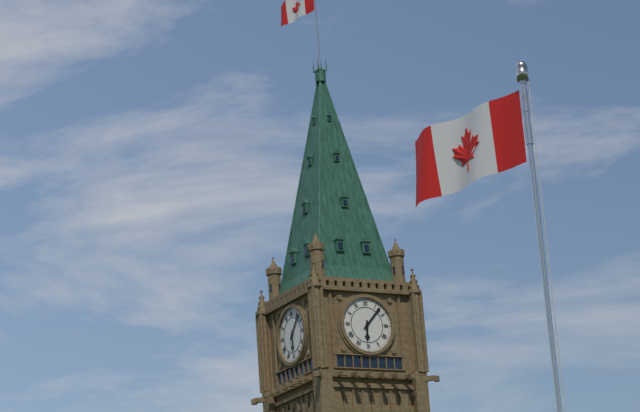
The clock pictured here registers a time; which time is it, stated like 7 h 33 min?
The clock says 6 h 07 min
